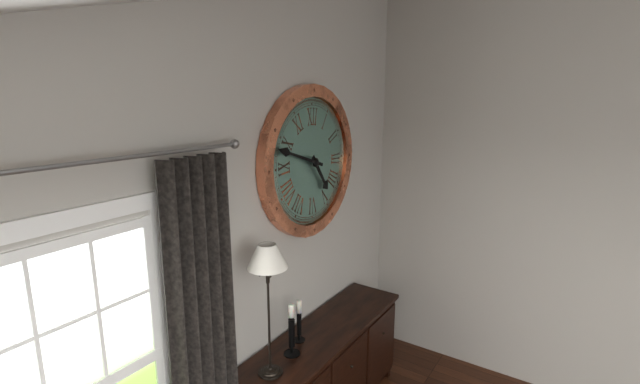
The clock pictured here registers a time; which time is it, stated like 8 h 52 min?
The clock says 4 h 48 min
